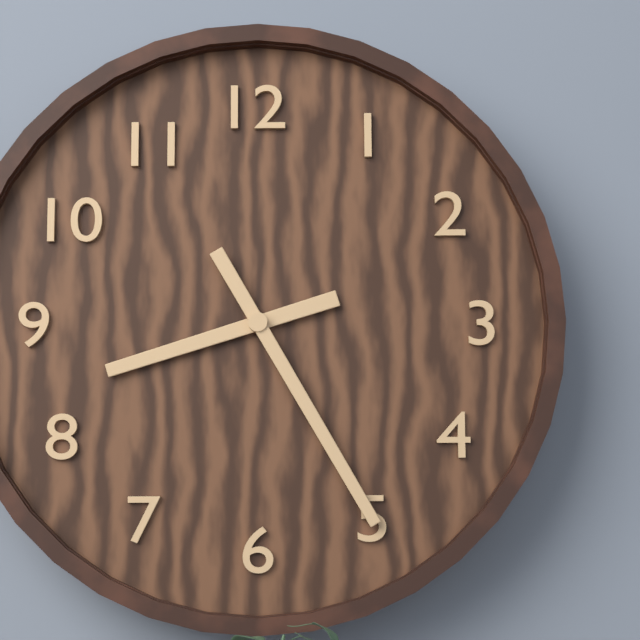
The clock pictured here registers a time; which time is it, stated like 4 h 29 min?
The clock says 8 h 25 min
